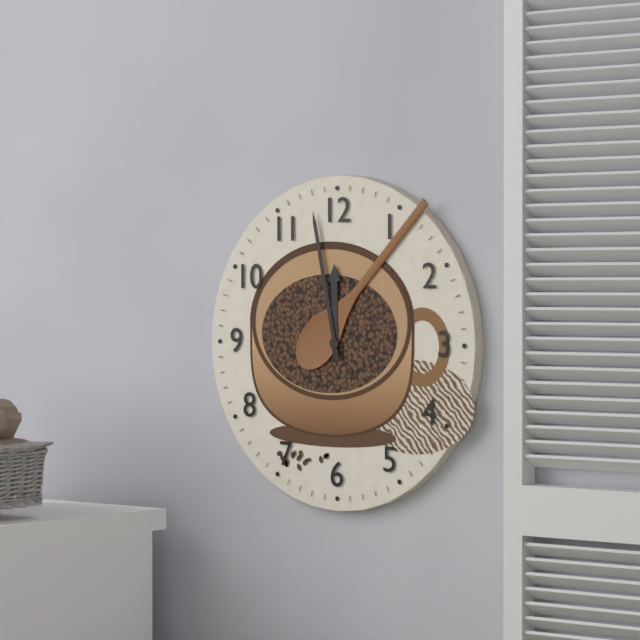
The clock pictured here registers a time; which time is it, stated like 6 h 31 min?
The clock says 11 h 58 min
